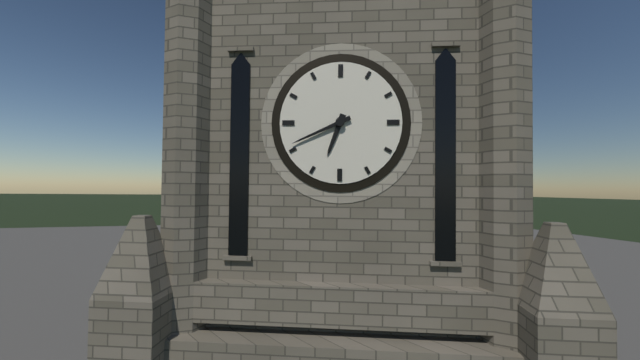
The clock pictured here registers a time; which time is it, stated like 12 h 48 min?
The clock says 6 h 41 min
